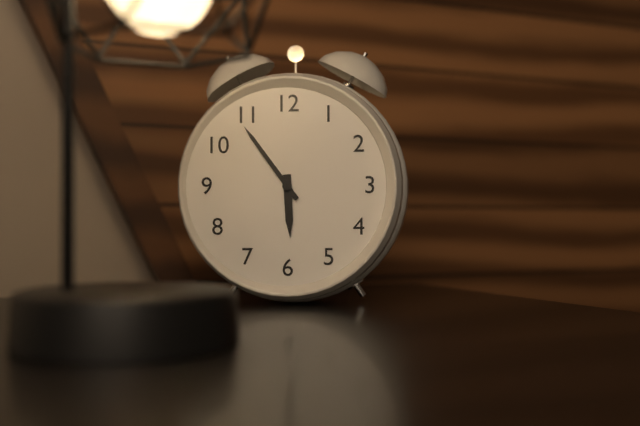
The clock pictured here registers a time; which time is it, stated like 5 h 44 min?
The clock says 5 h 54 min
